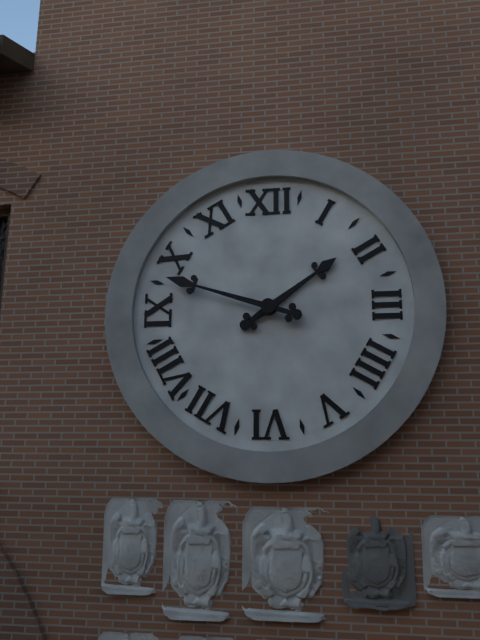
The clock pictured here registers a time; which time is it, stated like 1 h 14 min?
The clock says 1 h 48 min
